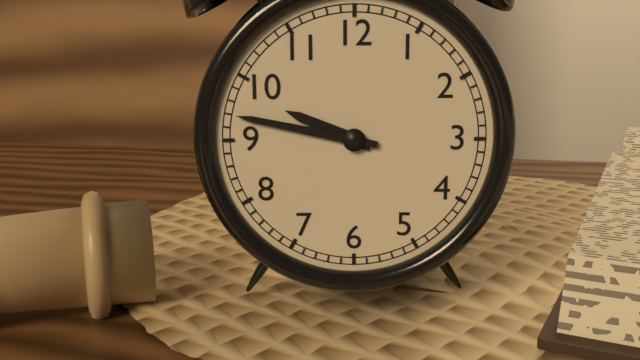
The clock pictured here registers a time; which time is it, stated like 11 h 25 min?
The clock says 9 h 47 min
